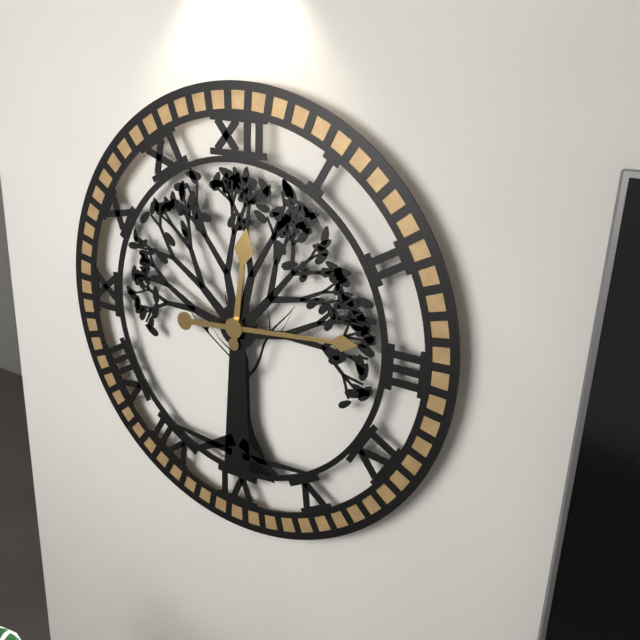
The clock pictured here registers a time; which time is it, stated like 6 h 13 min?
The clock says 12 h 14 min
